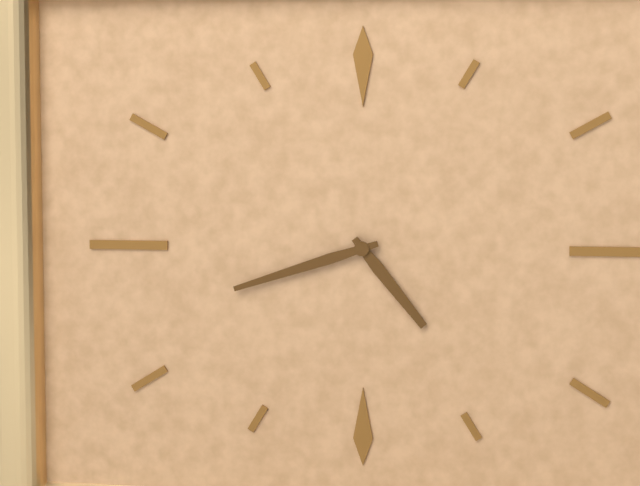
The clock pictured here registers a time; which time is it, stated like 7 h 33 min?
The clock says 4 h 42 min
